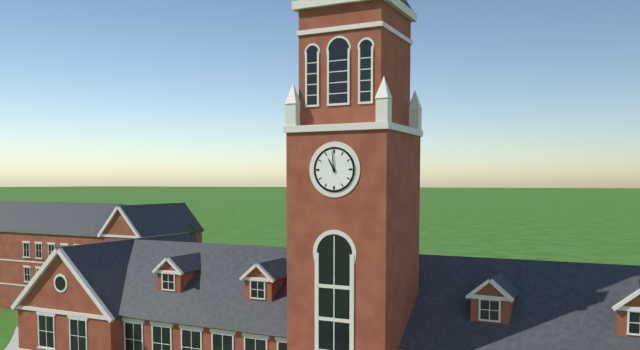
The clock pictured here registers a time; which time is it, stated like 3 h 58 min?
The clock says 10 h 59 min
